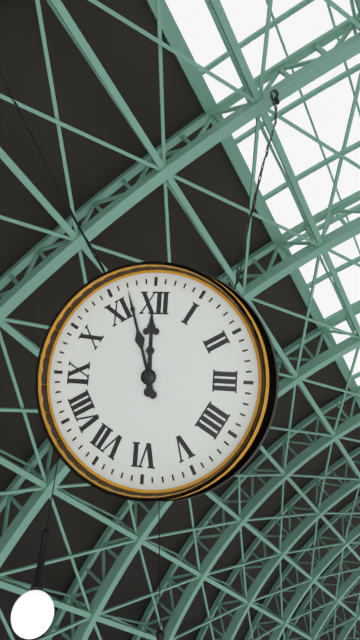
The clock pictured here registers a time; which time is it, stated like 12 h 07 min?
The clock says 11 h 57 min
